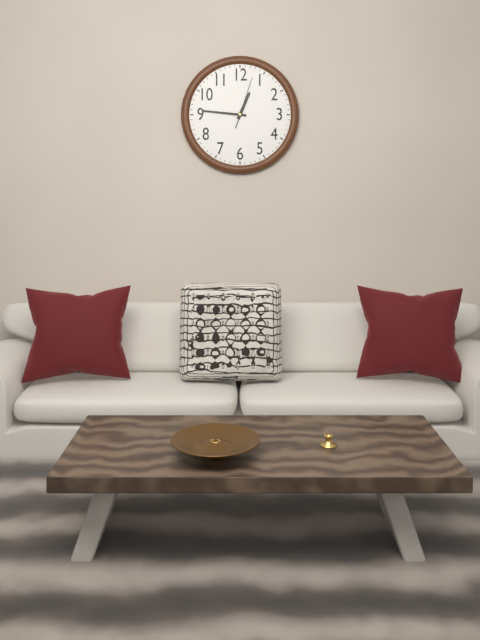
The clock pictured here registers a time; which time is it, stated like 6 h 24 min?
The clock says 12 h 46 min
